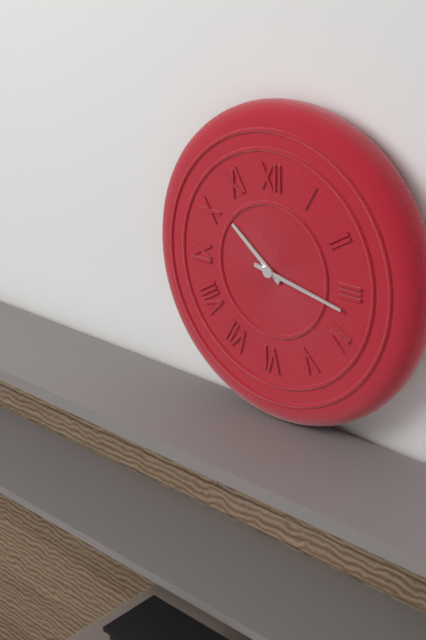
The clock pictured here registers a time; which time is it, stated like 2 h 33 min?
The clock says 10 h 17 min
